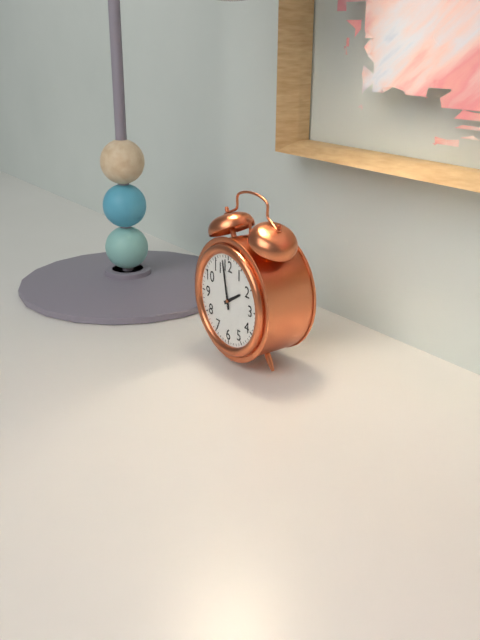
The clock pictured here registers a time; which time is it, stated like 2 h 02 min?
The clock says 1 h 58 min
